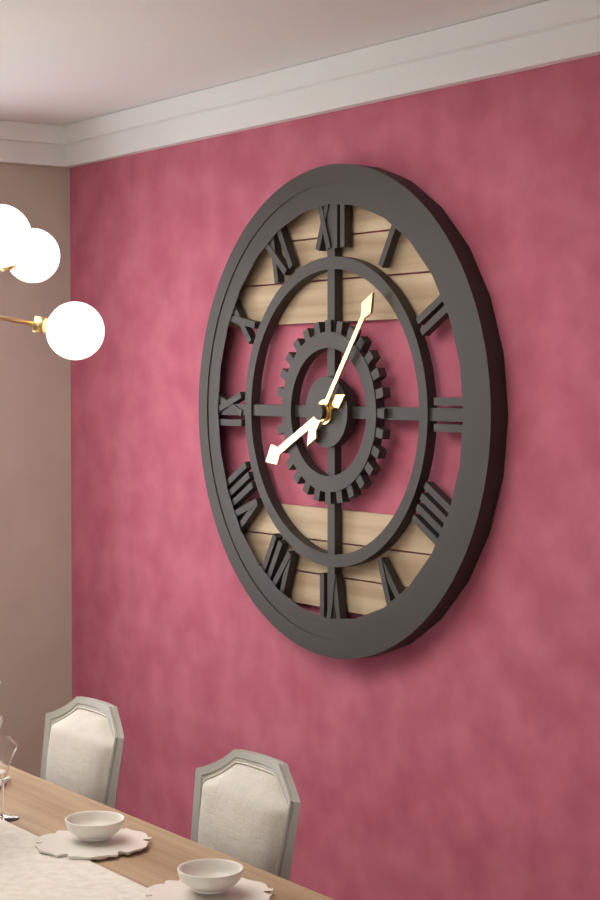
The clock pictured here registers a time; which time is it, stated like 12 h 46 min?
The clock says 8 h 06 min
